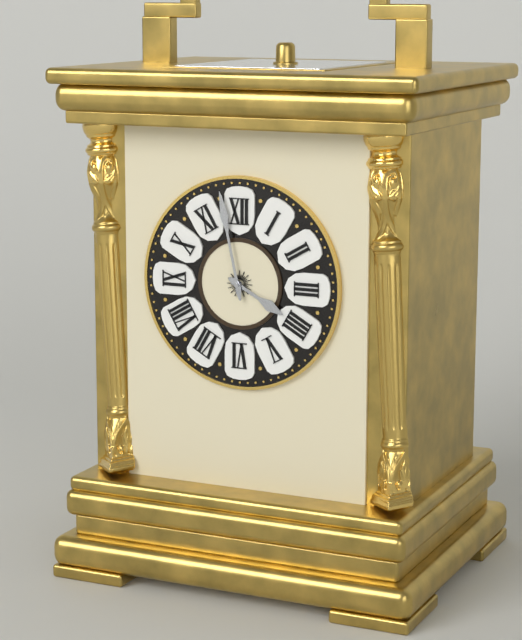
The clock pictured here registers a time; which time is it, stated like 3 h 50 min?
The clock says 3 h 58 min
